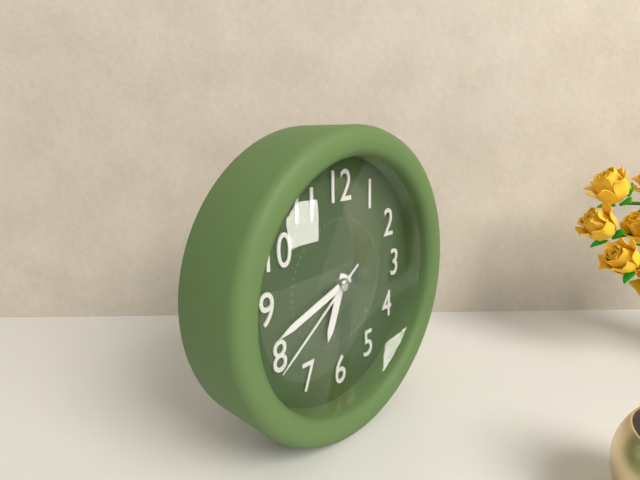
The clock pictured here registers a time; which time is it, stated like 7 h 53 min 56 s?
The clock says 6 h 42 min 39 s
